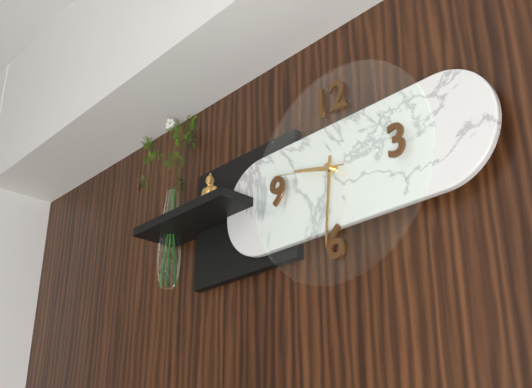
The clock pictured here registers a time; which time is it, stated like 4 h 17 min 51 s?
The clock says 9 h 31 min 47 s
